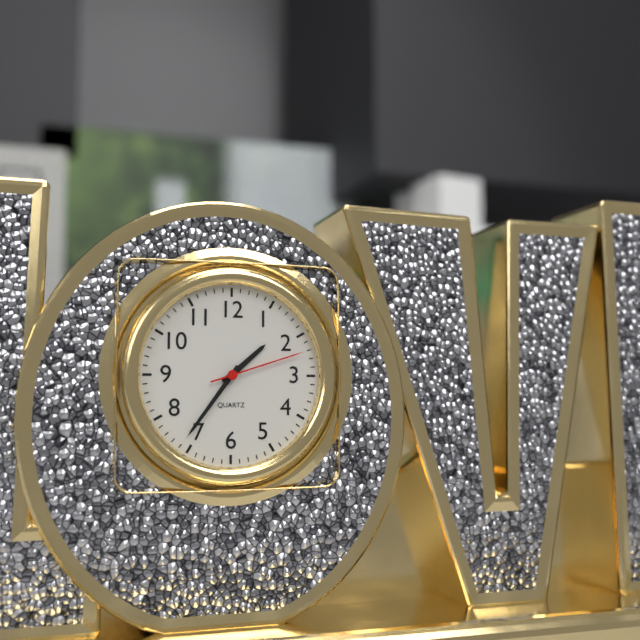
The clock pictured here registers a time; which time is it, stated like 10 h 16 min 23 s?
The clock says 1 h 36 min 12 s
